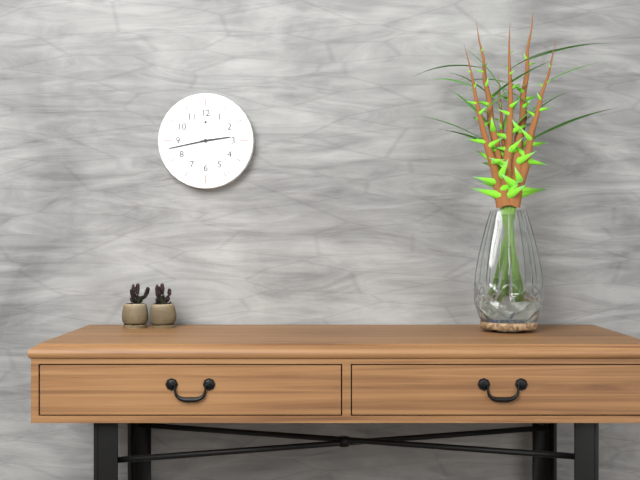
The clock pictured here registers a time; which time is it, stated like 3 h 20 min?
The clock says 2 h 43 min
